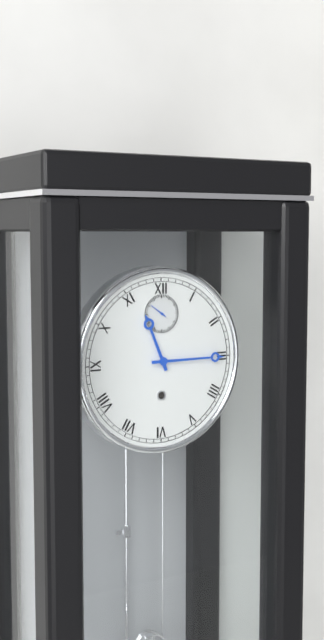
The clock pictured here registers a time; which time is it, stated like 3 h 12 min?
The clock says 11 h 15 min
